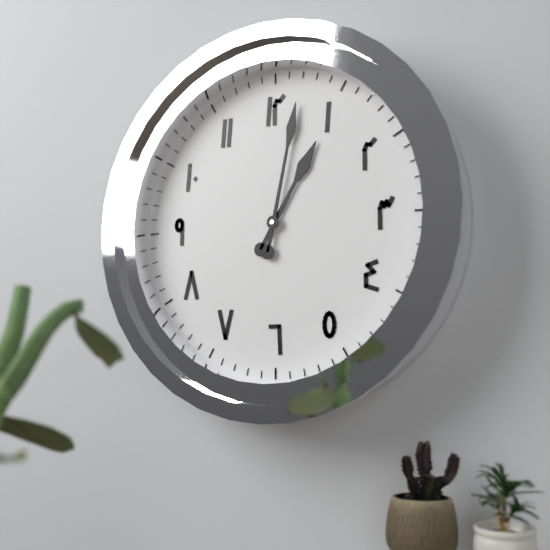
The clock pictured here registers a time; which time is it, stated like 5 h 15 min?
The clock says 1 h 02 min
